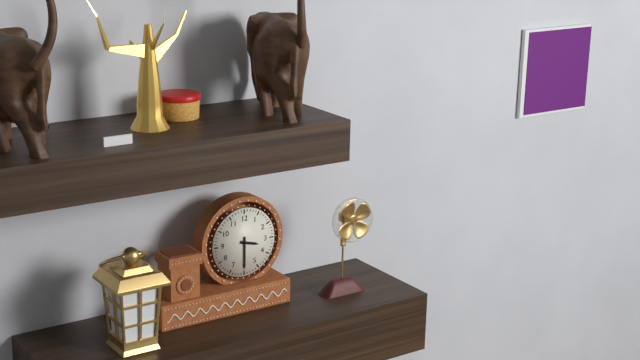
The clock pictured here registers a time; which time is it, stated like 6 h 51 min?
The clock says 3 h 30 min
